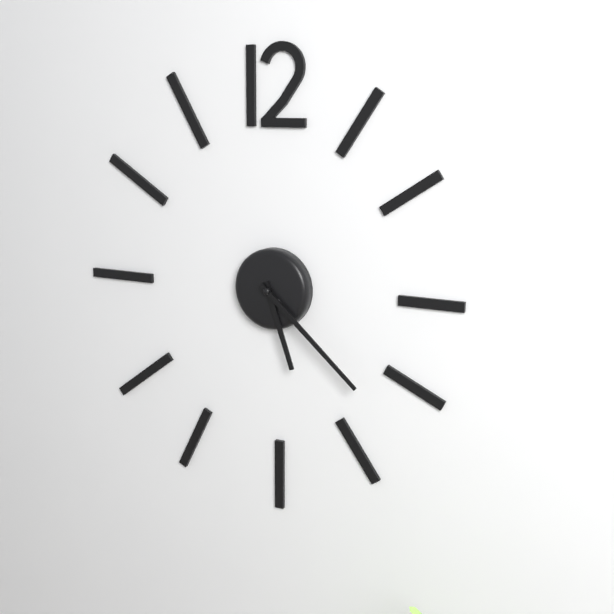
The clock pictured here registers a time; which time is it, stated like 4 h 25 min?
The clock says 5 h 22 min
